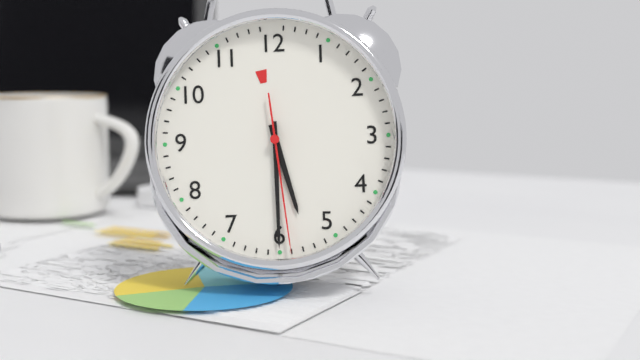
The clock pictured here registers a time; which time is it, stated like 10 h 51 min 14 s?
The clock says 5 h 30 min 29 s
